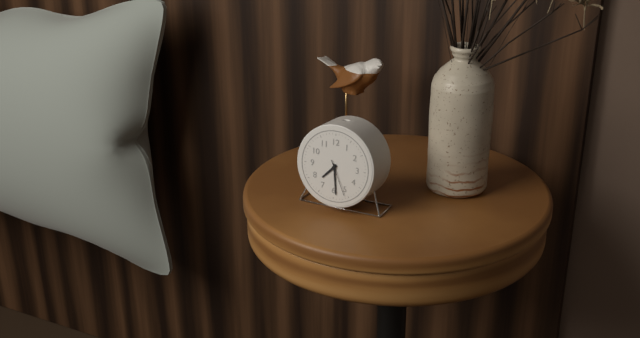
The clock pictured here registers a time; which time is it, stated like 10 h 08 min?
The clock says 7 h 29 min
